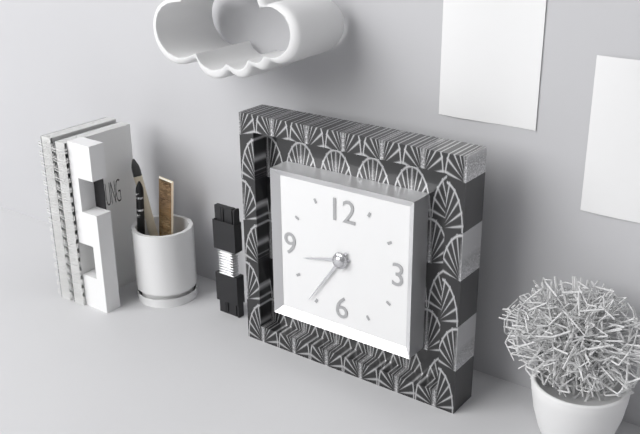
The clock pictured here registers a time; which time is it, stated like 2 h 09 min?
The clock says 8 h 36 min
